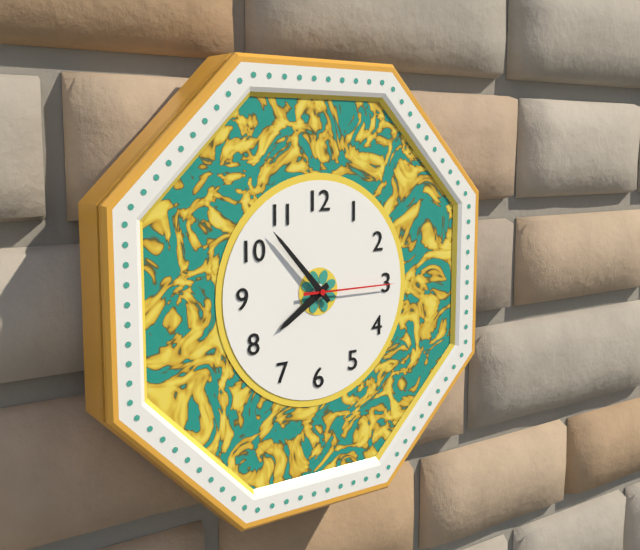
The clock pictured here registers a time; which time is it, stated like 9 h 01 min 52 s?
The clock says 7 h 53 min 15 s
